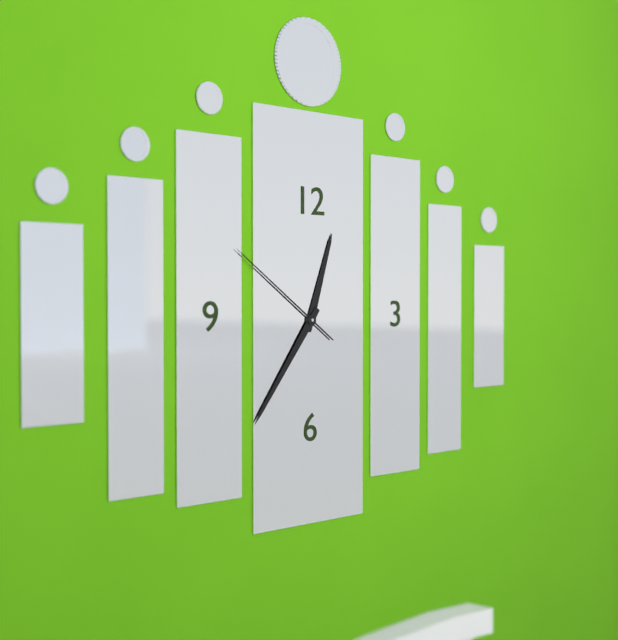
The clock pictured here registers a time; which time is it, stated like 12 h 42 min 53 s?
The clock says 12 h 36 min 51 s
